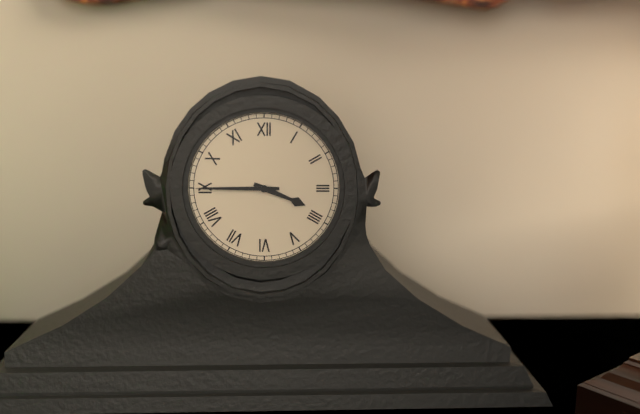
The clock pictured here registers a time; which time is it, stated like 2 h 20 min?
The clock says 3 h 45 min
